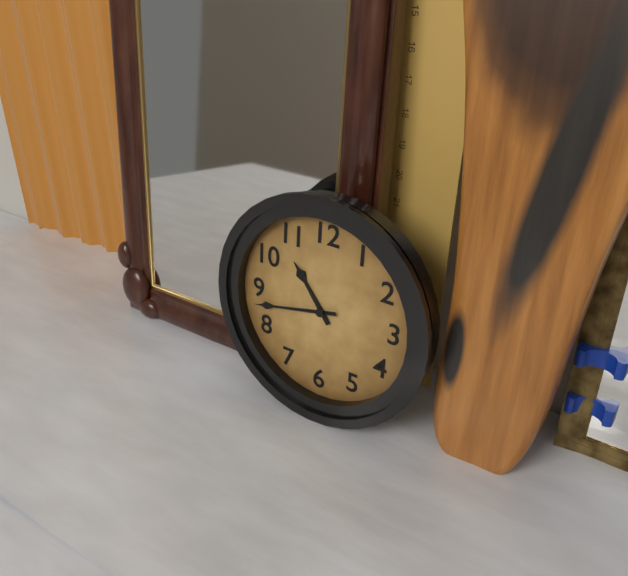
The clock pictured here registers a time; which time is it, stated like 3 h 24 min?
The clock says 10 h 43 min
